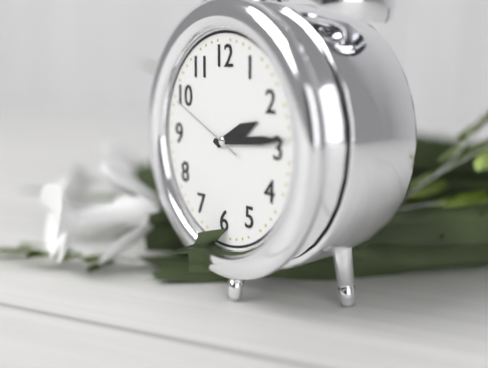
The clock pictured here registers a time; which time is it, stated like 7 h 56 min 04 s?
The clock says 2 h 14 min 49 s
